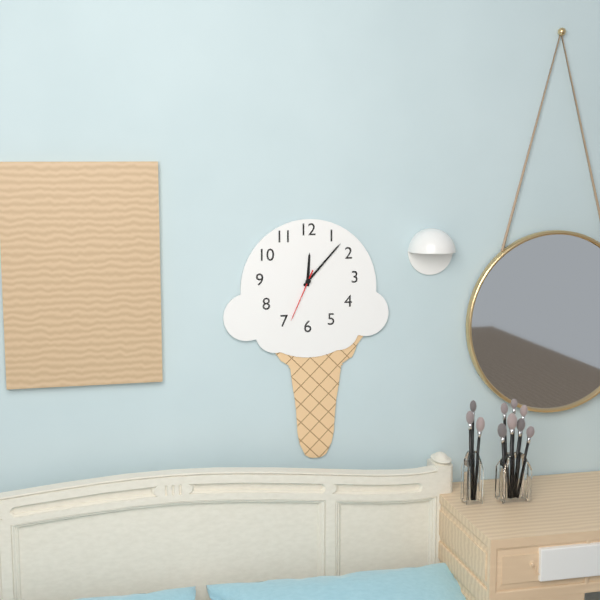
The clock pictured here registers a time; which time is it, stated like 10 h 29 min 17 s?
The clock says 12 h 07 min 34 s
